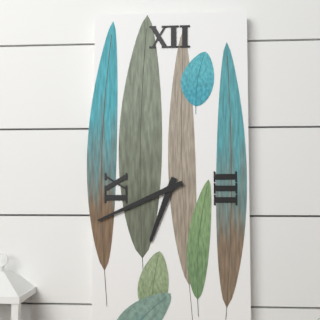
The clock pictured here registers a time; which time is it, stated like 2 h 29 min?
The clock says 6 h 41 min
